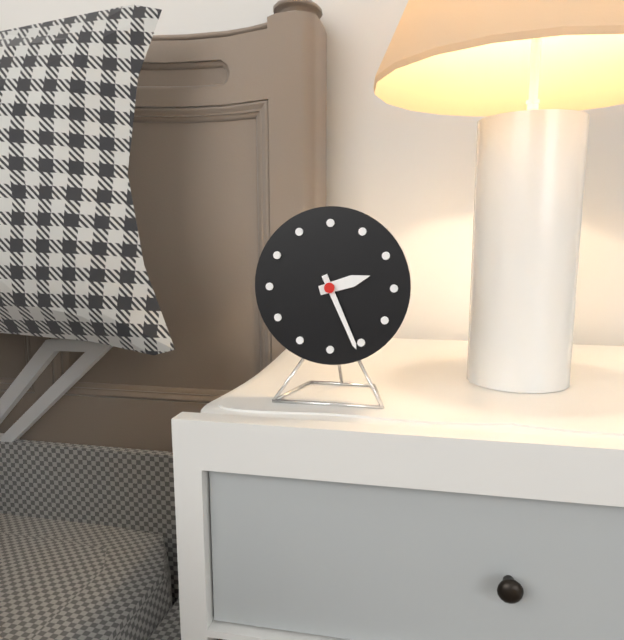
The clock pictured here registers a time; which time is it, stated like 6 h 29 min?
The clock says 2 h 26 min
